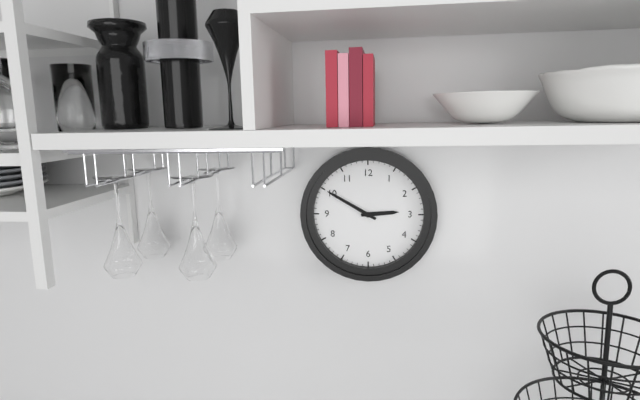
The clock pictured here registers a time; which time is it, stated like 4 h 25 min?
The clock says 2 h 50 min
